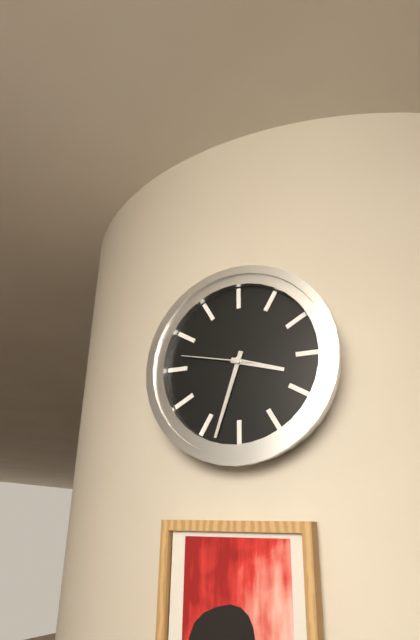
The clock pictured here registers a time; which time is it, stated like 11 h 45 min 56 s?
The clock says 3 h 33 min 47 s
